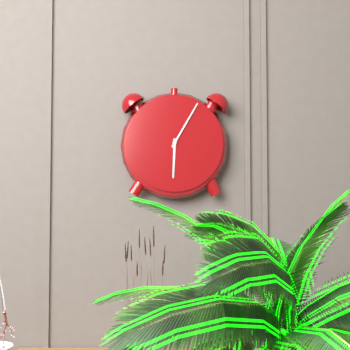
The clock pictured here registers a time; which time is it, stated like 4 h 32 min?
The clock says 6 h 05 min
